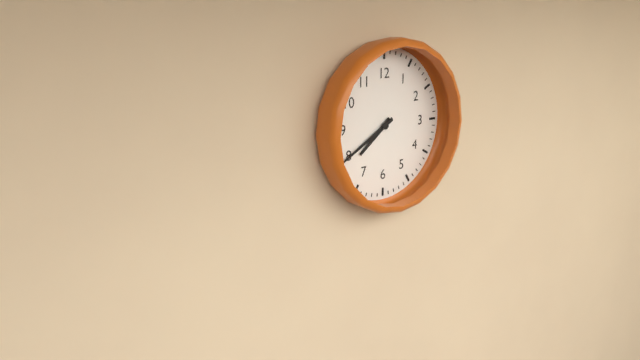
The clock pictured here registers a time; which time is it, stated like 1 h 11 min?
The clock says 7 h 40 min
